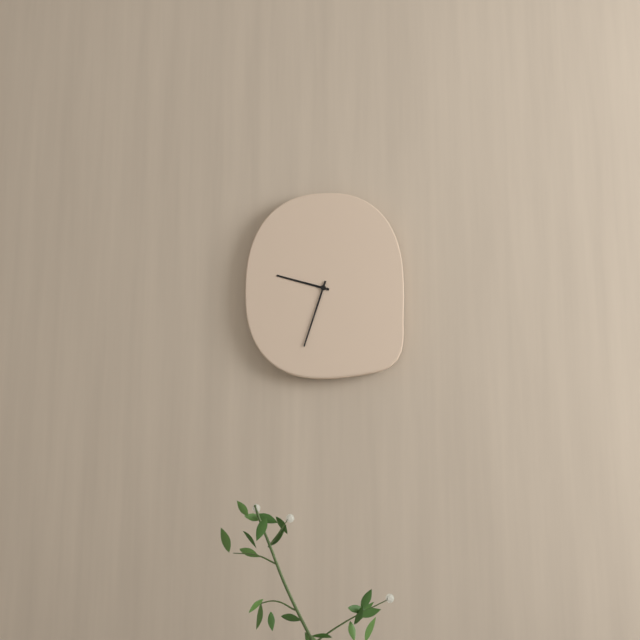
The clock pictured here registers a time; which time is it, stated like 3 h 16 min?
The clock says 9 h 33 min
